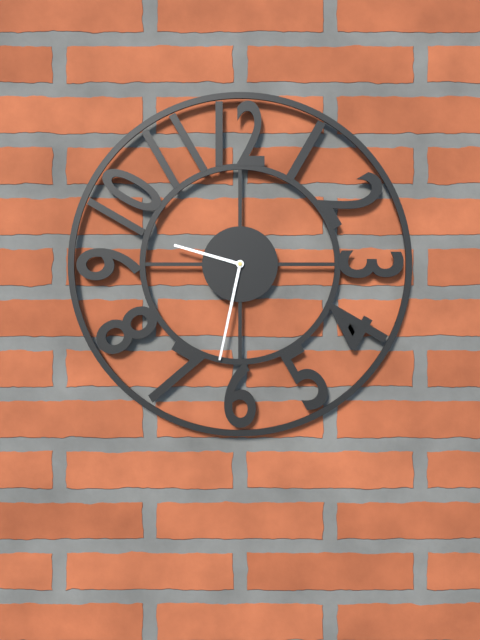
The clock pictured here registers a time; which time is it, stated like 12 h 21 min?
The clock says 9 h 32 min
